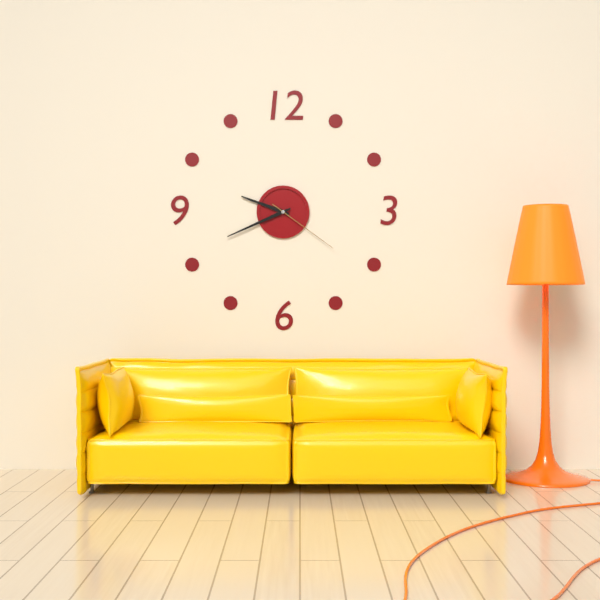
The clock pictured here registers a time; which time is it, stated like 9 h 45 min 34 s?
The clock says 9 h 41 min 21 s
